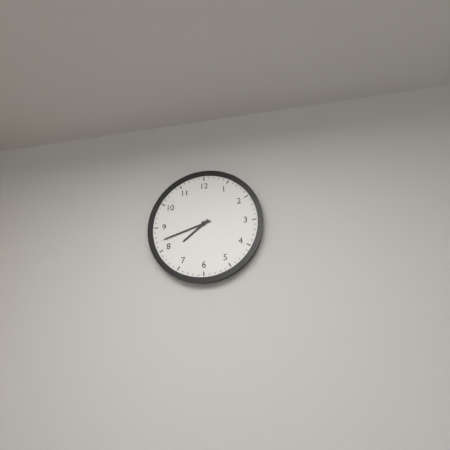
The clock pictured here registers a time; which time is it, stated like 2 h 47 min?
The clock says 7 h 42 min
